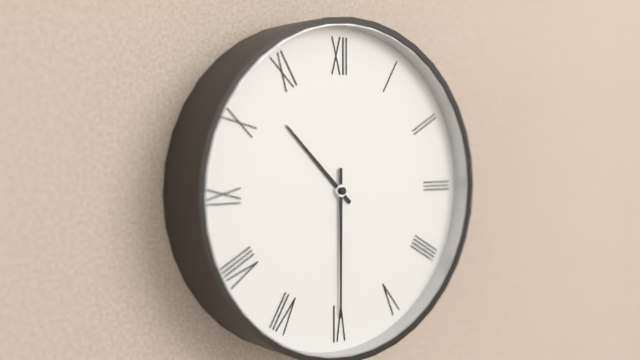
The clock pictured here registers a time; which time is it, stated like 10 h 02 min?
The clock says 10 h 30 min
